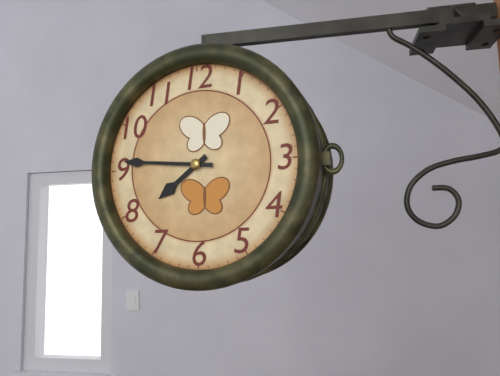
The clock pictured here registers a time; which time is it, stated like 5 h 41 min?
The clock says 7 h 46 min
